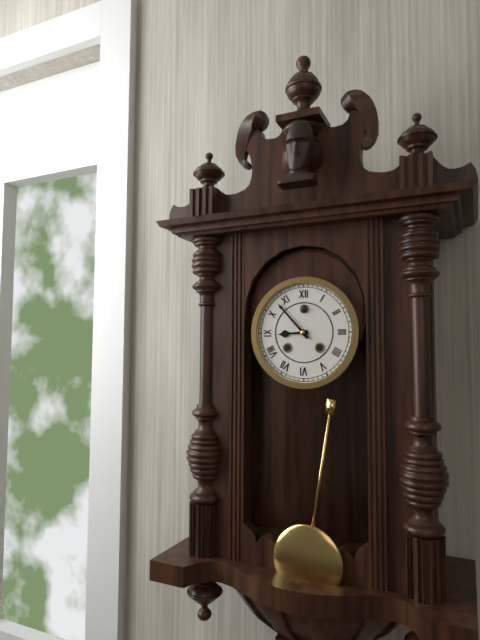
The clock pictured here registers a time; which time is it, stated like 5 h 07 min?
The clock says 8 h 53 min
